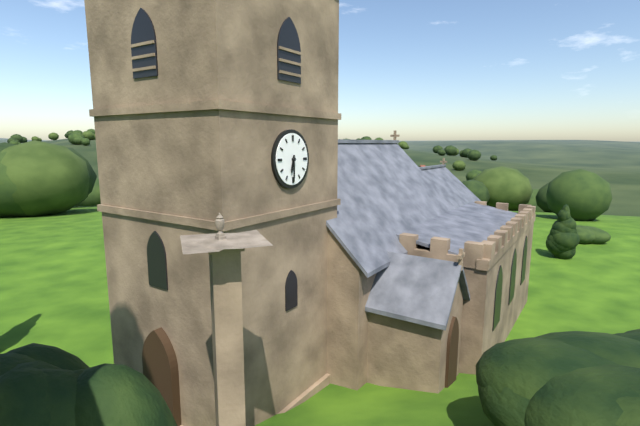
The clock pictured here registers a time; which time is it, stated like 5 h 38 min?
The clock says 6 h 30 min
